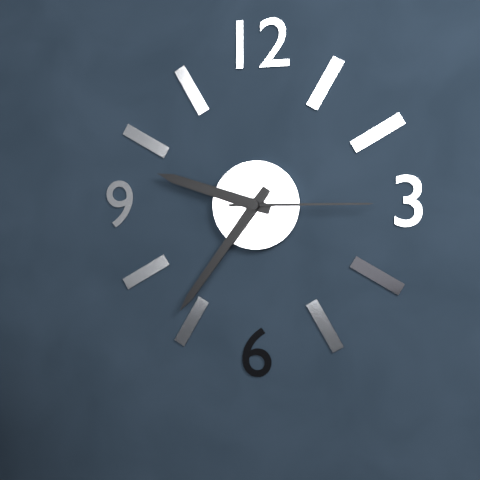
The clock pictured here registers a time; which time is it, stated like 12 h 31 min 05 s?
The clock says 9 h 36 min 15 s
